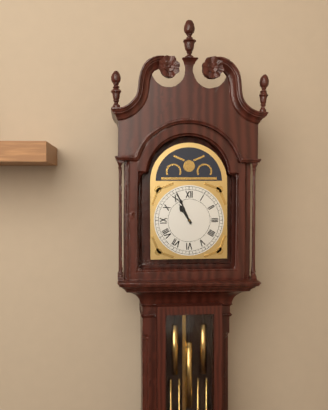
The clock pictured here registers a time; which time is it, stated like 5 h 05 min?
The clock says 10 h 56 min
